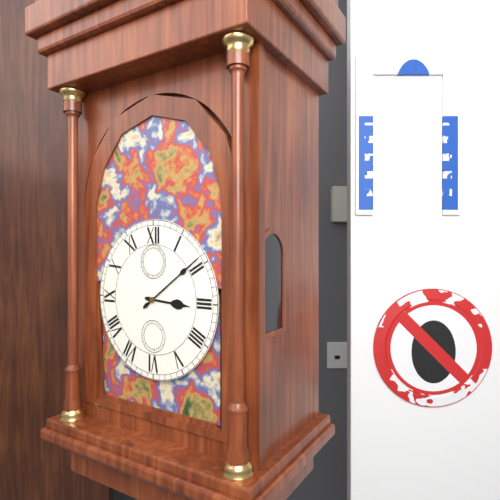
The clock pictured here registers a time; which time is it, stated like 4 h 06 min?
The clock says 3 h 09 min
